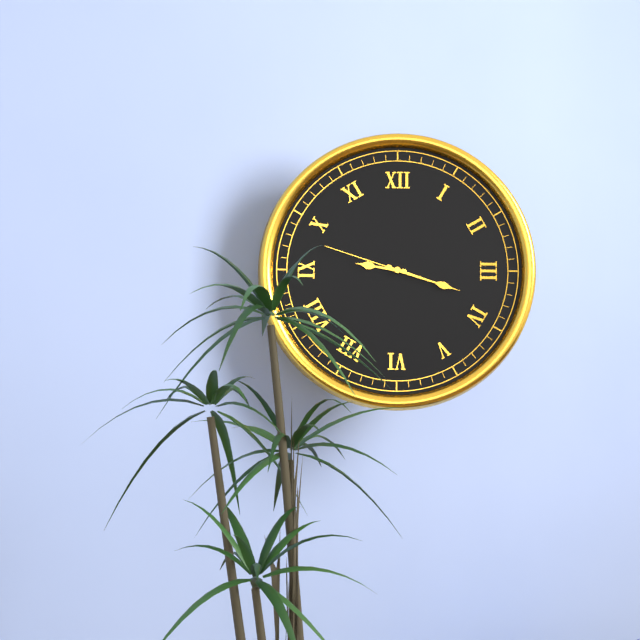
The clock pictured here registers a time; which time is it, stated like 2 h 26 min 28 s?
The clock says 9 h 18 min 48 s
